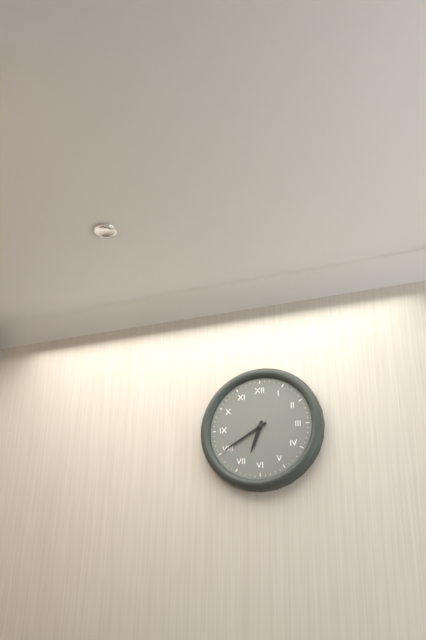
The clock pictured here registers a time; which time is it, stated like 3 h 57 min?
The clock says 6 h 40 min
